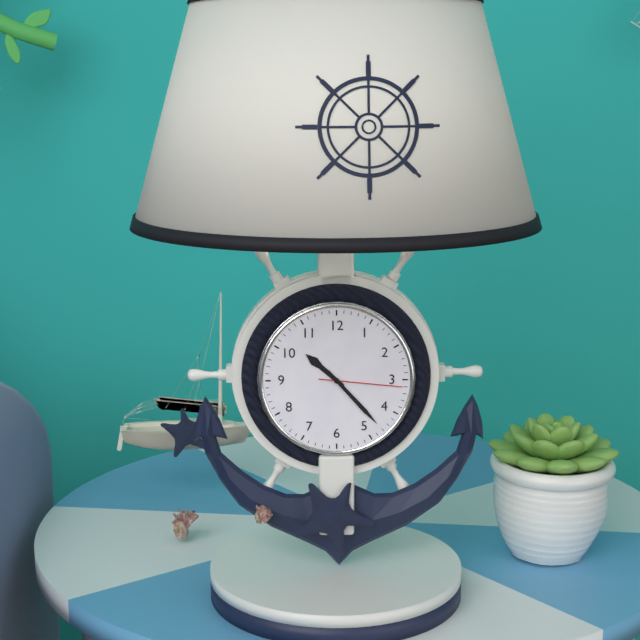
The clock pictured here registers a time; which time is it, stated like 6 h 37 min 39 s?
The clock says 10 h 23 min 16 s
